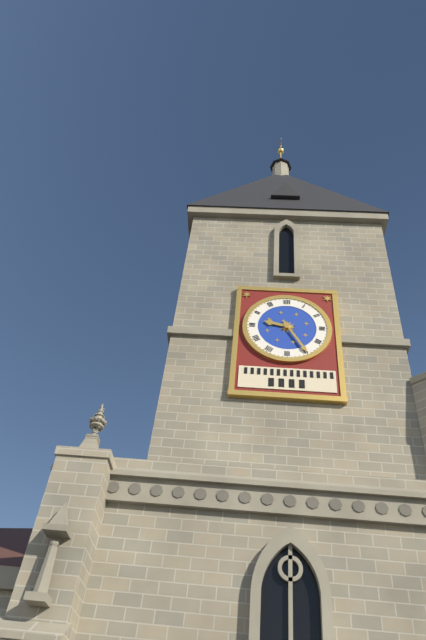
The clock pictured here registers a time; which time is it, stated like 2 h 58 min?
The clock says 9 h 25 min
